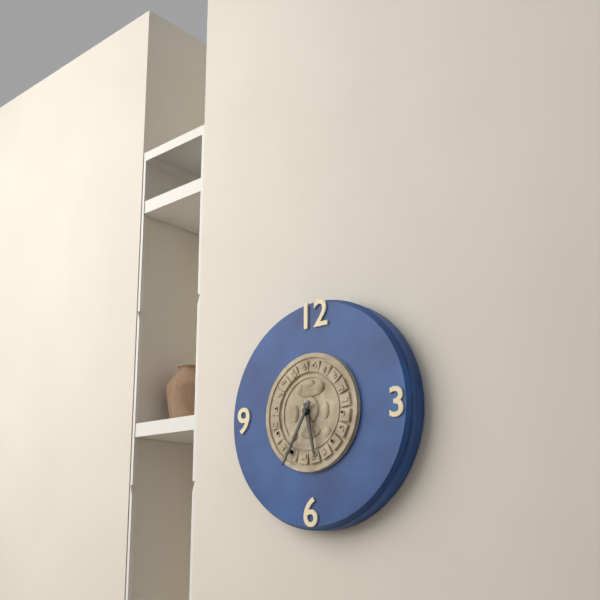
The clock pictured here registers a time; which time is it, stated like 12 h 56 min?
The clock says 5 h 35 min
